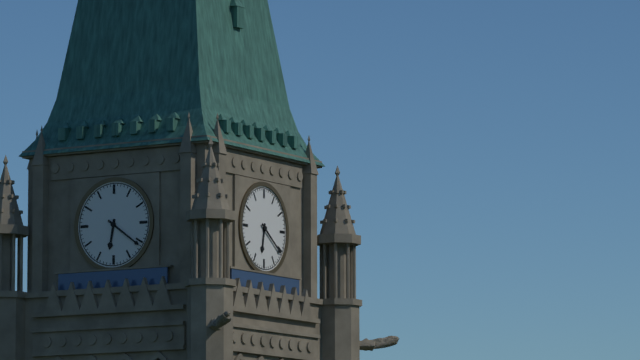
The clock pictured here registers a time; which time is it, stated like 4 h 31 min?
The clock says 6 h 21 min
